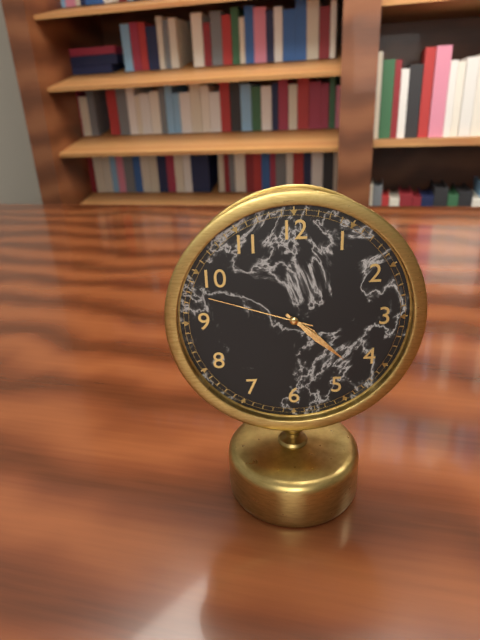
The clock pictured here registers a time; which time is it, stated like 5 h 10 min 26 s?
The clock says 4 h 22 min 48 s
